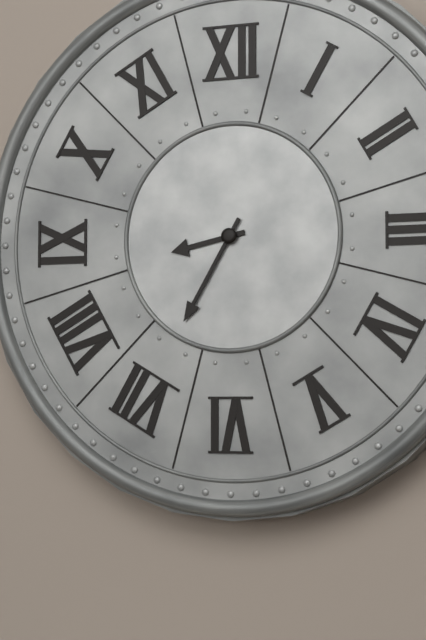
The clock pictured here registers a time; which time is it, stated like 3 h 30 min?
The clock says 8 h 35 min
